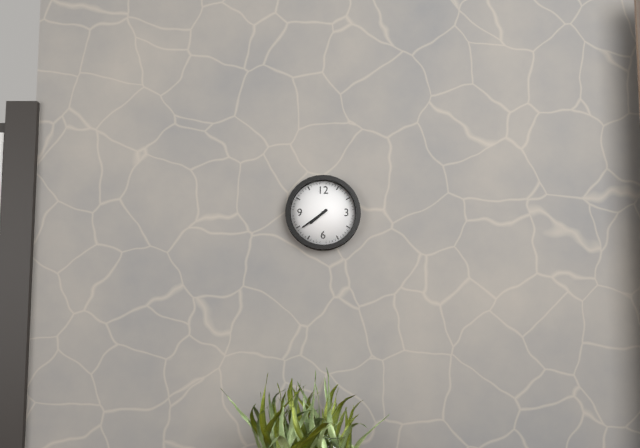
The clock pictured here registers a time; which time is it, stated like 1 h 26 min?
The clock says 7 h 39 min
